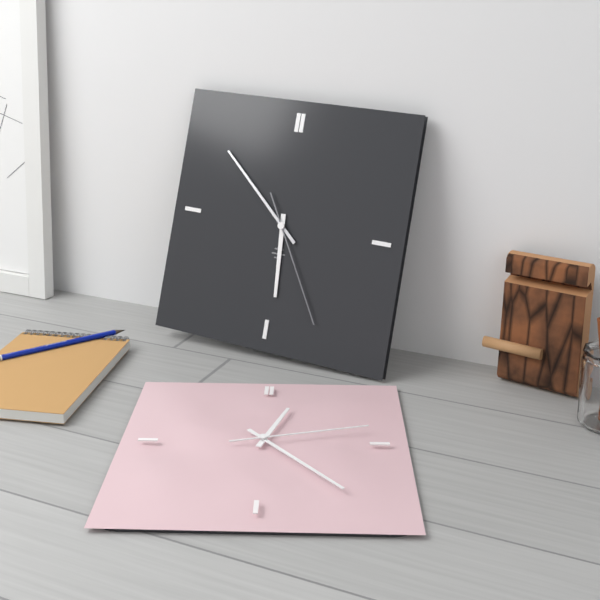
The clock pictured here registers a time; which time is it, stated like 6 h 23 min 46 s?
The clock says 5 h 52 min 25 s
